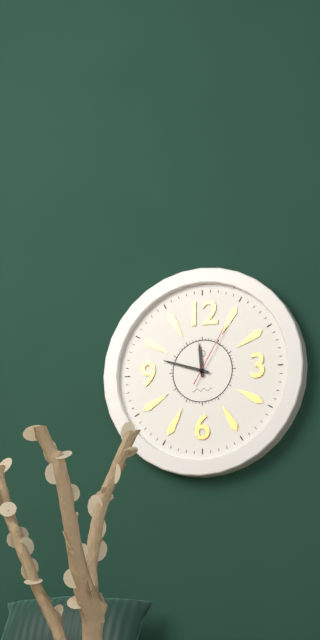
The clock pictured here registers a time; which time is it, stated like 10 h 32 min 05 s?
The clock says 11 h 48 min 05 s
